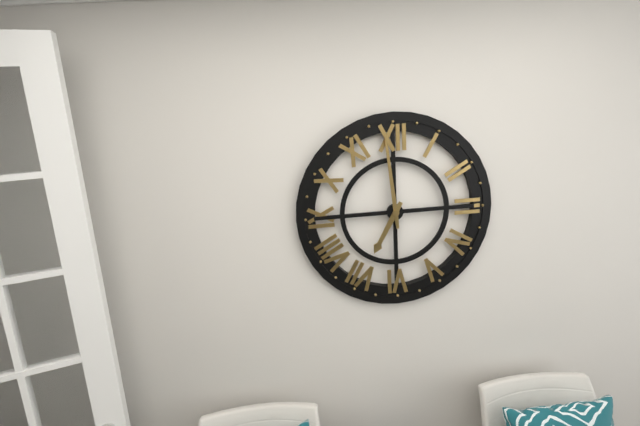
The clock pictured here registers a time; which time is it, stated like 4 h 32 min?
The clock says 6 h 59 min
